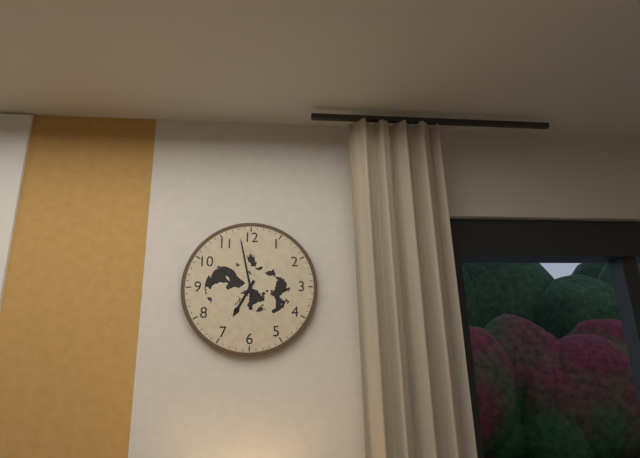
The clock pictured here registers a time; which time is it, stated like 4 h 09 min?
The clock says 6 h 58 min
